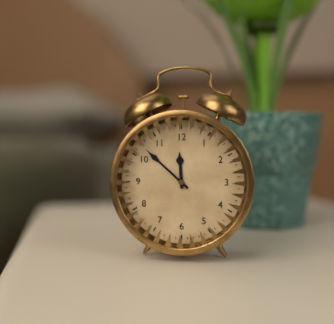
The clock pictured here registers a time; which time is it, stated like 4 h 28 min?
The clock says 11 h 52 min
